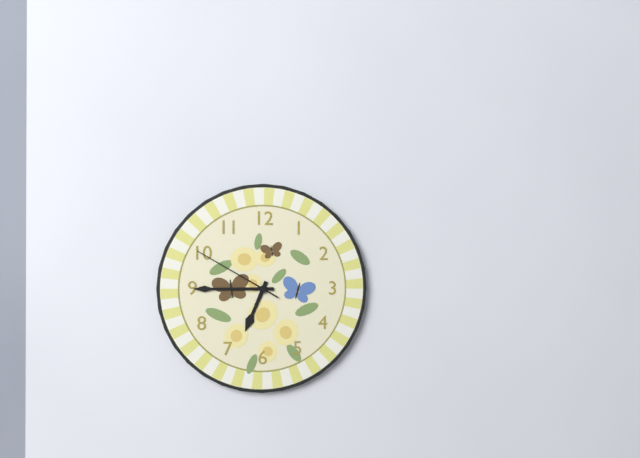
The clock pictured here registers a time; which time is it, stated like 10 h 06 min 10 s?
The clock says 6 h 45 min 50 s
